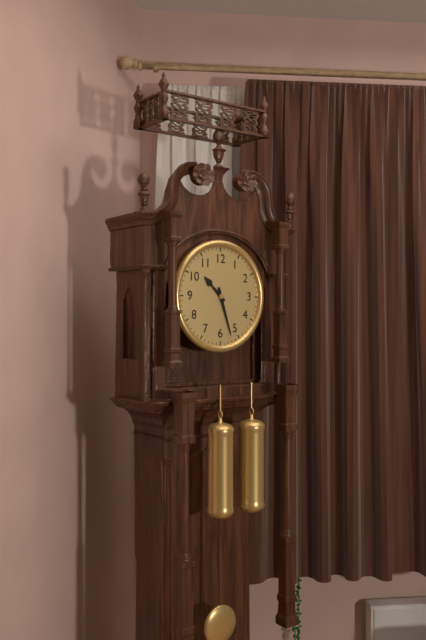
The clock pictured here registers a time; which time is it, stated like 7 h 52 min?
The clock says 10 h 27 min
